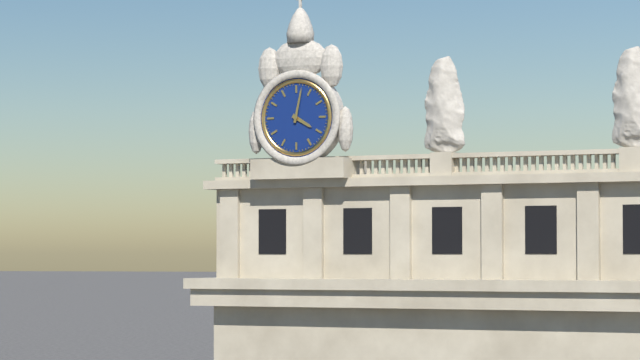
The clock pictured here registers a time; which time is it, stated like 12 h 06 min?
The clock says 4 h 02 min
